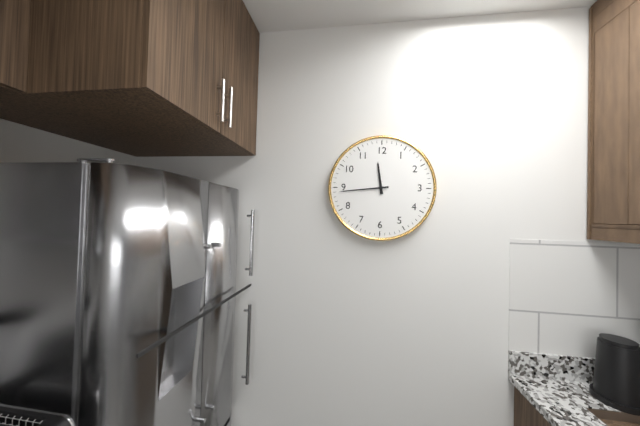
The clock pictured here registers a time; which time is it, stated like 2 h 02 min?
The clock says 11 h 44 min
